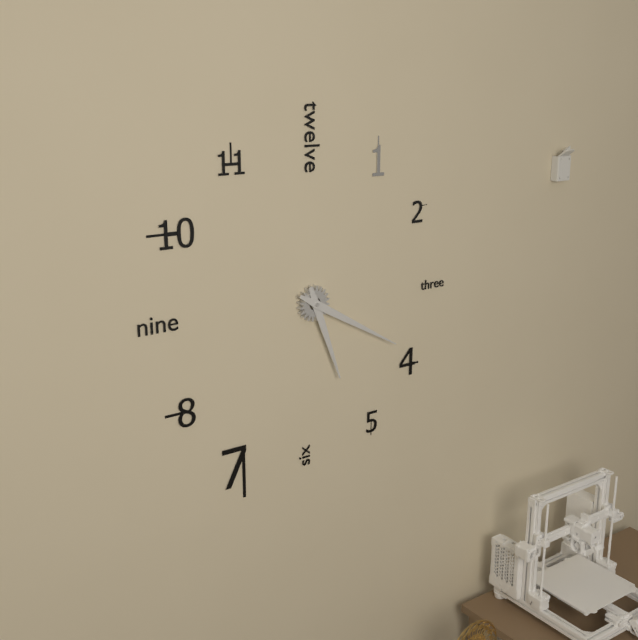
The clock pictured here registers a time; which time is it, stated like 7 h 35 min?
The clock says 5 h 20 min
